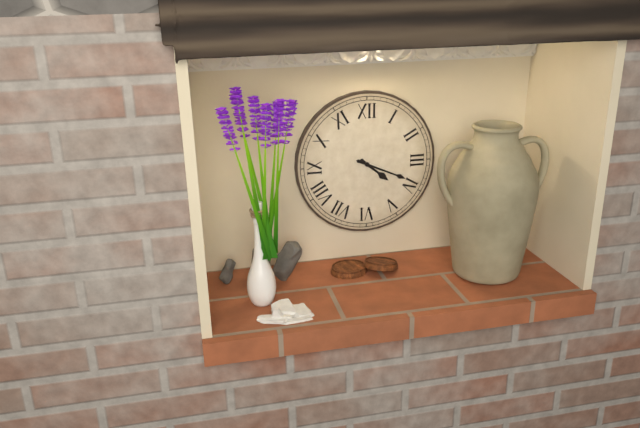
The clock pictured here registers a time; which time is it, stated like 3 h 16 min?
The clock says 4 h 19 min
